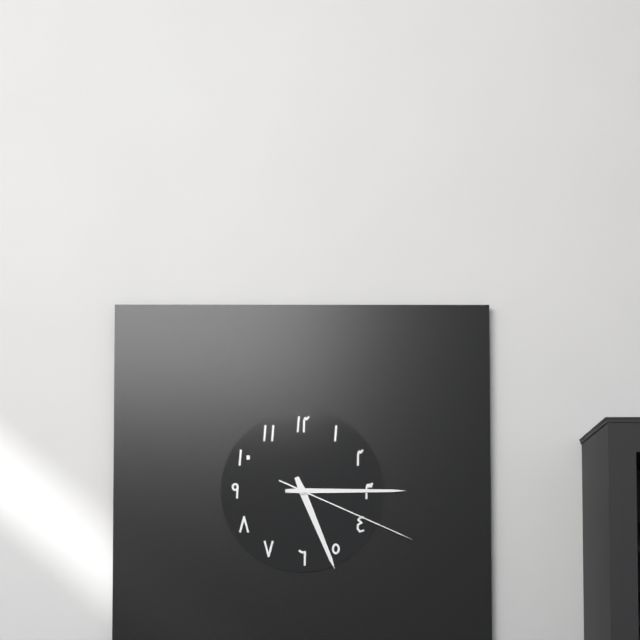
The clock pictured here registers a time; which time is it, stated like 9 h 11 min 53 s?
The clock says 5 h 15 min 19 s
